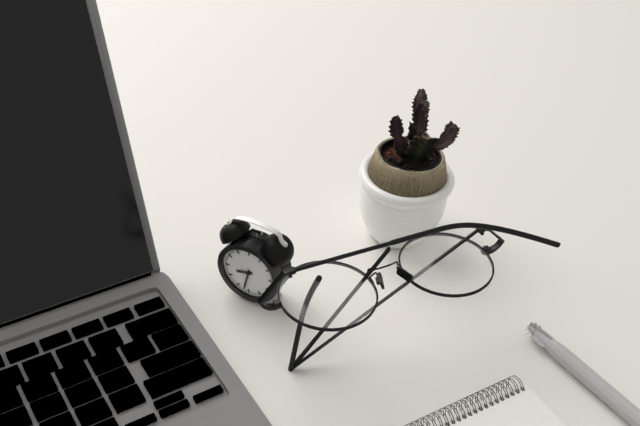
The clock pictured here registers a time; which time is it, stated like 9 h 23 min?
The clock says 8 h 32 min
